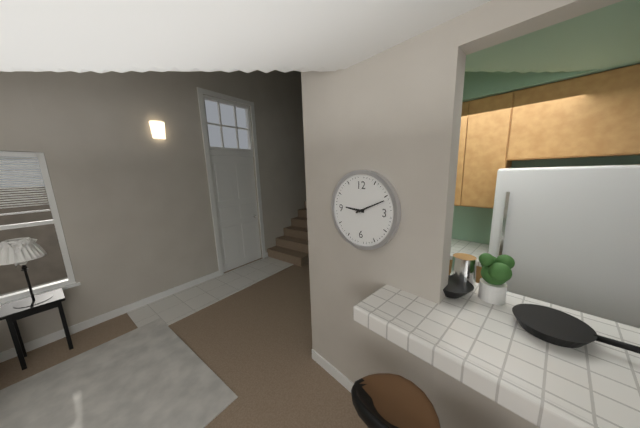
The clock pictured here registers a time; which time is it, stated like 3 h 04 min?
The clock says 9 h 11 min
